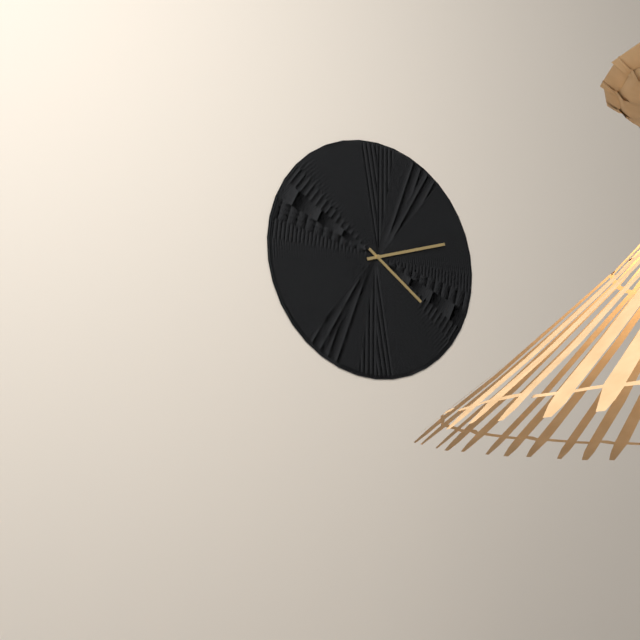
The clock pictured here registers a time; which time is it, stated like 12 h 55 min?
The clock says 4 h 12 min
